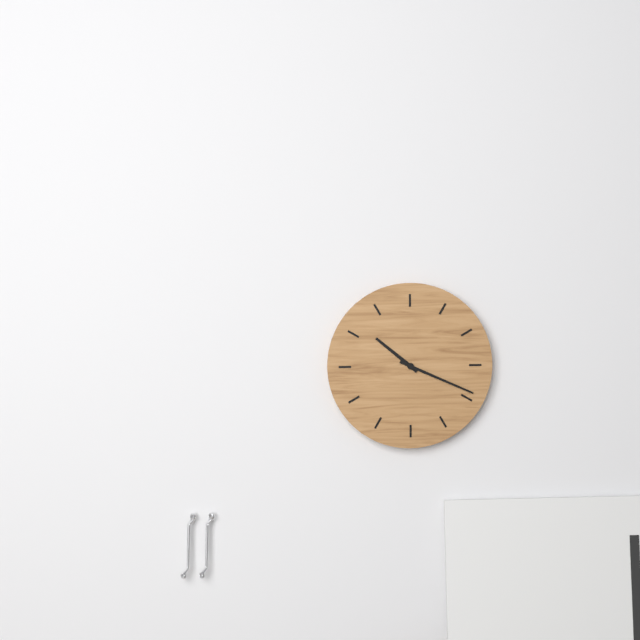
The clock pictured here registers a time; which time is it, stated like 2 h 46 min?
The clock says 10 h 19 min
